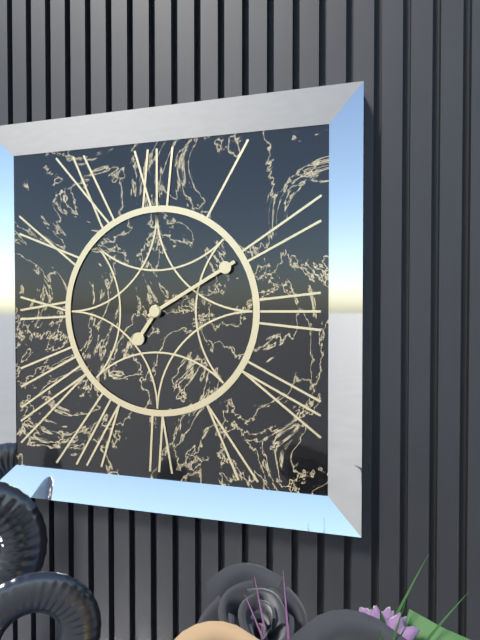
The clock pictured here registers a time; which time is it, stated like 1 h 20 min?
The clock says 7 h 10 min
